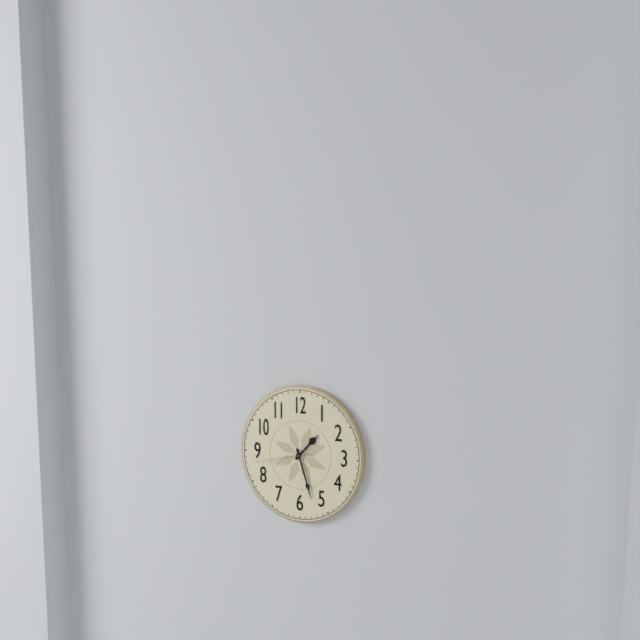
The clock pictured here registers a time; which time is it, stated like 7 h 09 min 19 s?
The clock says 1 h 27 min 43 s
